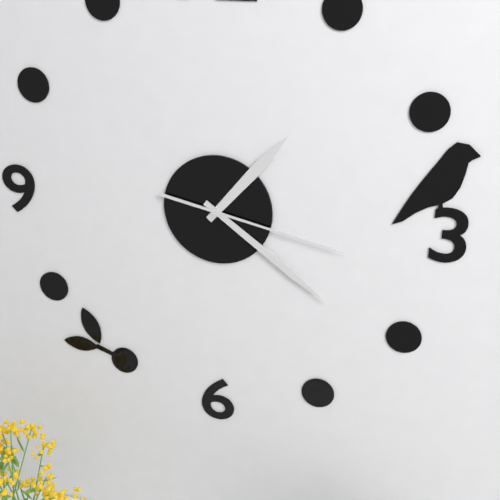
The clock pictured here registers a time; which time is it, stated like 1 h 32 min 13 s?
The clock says 1 h 21 min 17 s
